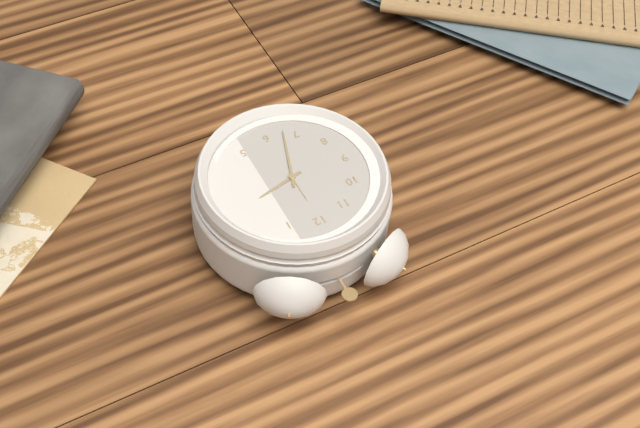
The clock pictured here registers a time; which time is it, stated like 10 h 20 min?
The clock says 2 h 33 min
